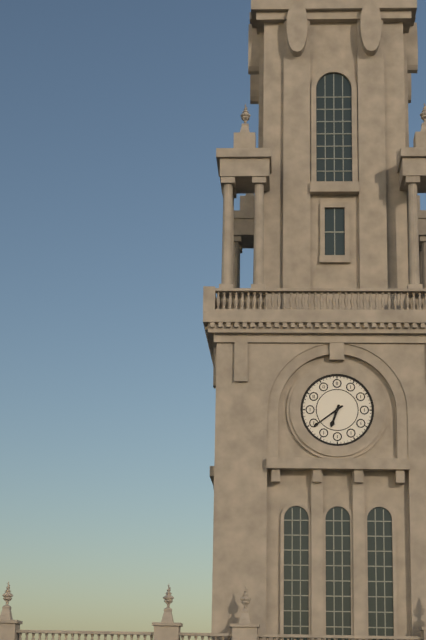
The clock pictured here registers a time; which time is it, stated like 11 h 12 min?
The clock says 6 h 39 min
